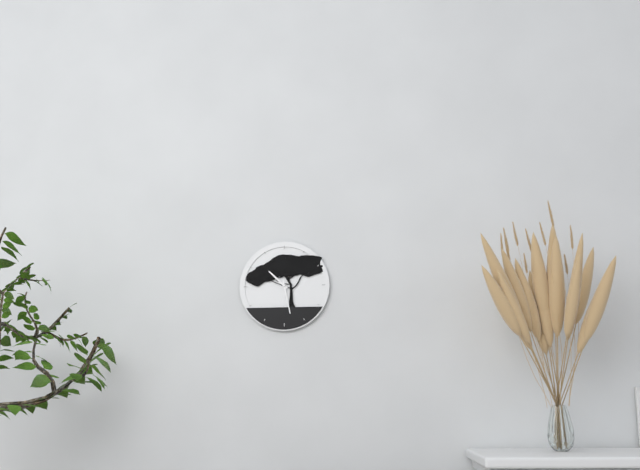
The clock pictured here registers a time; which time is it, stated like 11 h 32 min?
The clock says 10 h 28 min
